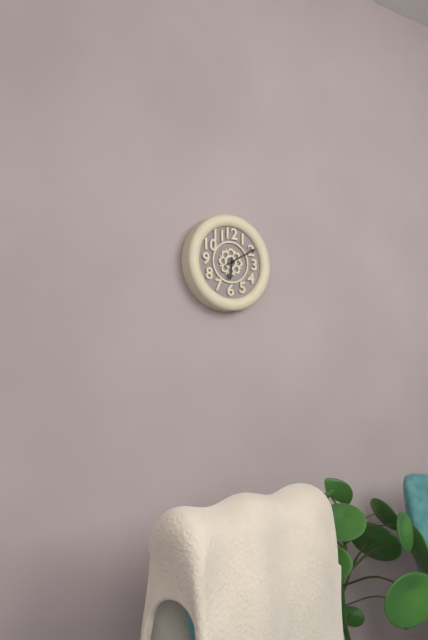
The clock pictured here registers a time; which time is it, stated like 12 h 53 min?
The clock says 6 h 10 min
